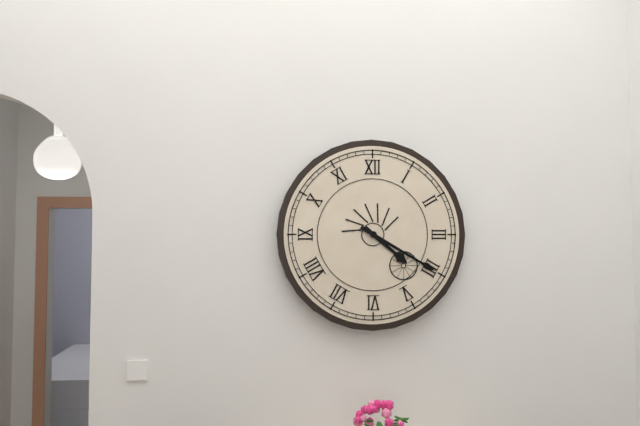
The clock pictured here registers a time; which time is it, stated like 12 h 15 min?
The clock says 4 h 20 min
